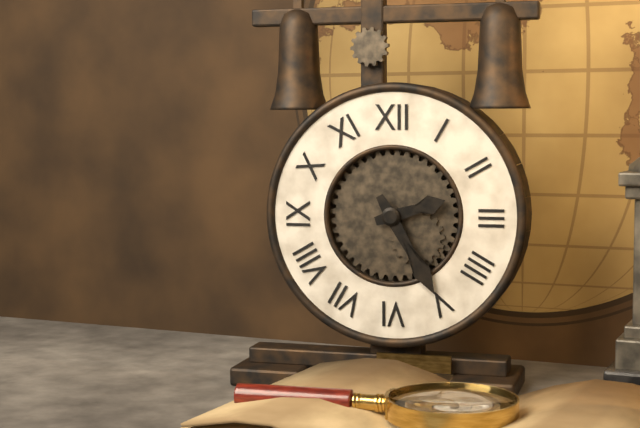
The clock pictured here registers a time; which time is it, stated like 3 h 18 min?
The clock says 2 h 25 min
